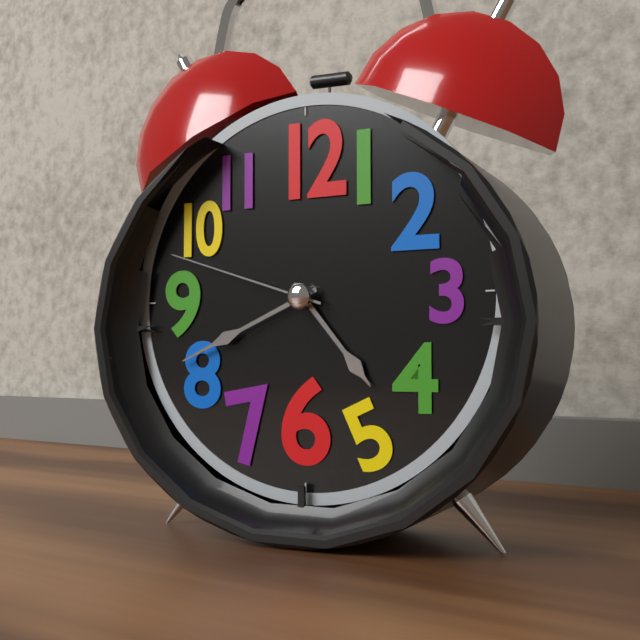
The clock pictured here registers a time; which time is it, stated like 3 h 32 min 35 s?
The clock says 4 h 41 min 48 s
